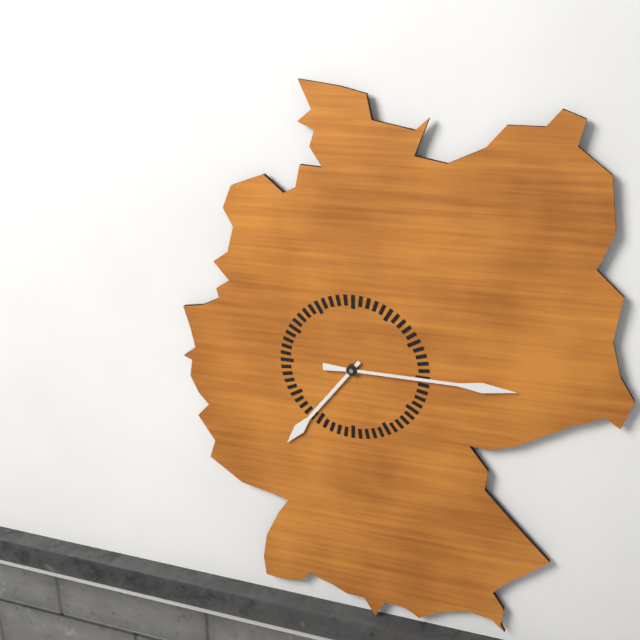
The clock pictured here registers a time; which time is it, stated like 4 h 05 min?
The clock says 7 h 15 min
